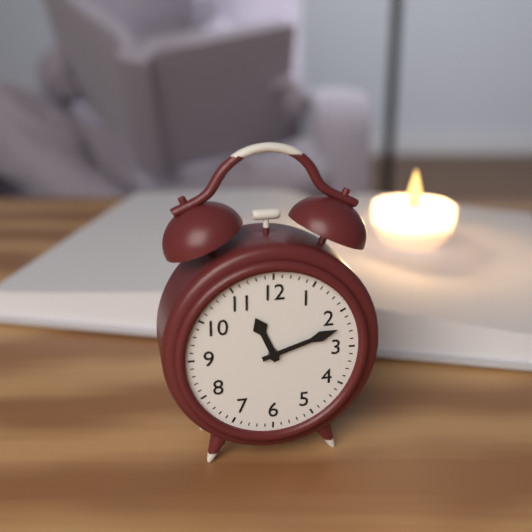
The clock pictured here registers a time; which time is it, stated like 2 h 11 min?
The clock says 11 h 12 min
